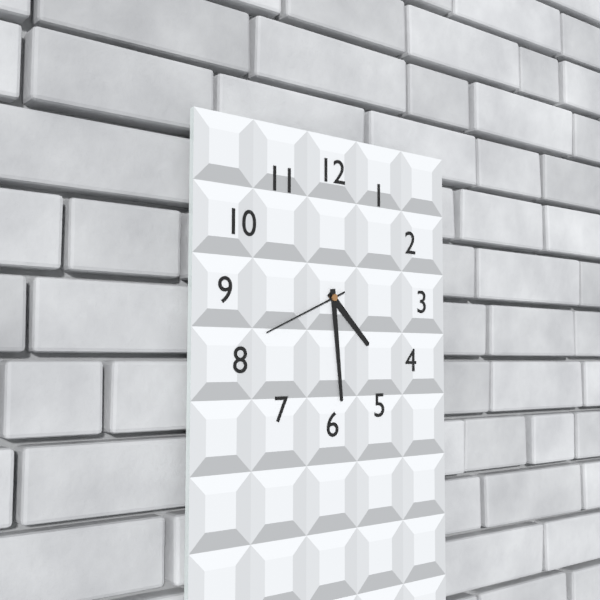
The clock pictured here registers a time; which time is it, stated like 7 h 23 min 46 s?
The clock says 4 h 29 min 41 s
